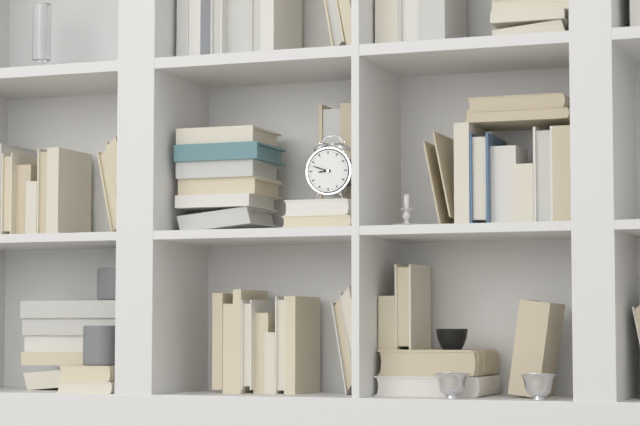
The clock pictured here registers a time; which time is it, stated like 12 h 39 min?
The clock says 8 h 48 min
